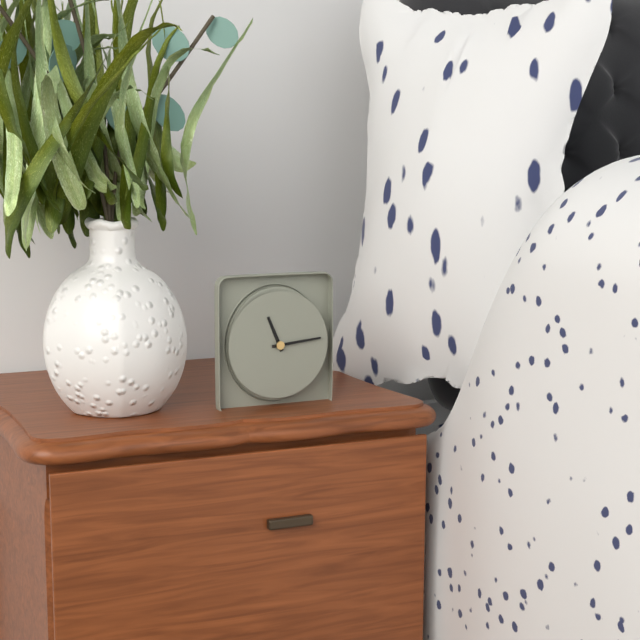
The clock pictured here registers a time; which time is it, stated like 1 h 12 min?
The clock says 11 h 14 min
